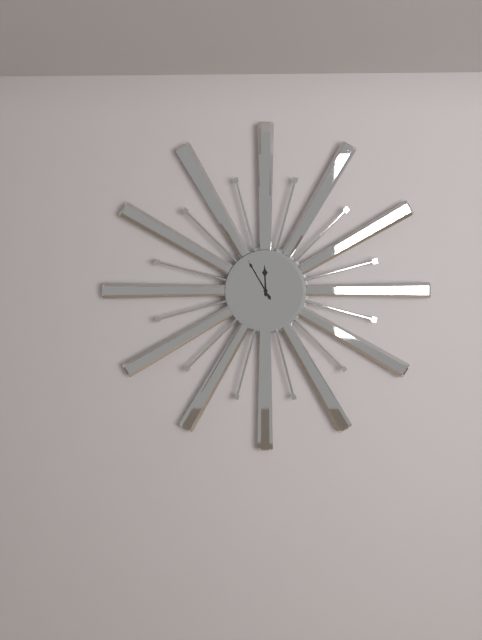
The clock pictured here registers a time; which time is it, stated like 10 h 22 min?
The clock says 11 h 55 min
